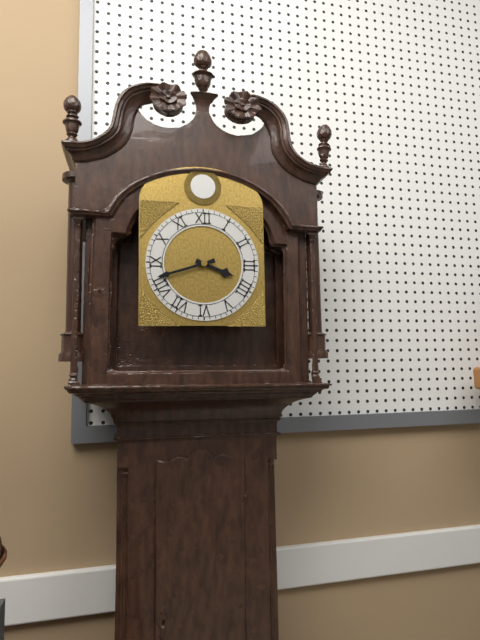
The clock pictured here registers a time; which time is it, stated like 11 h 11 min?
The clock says 3 h 42 min
